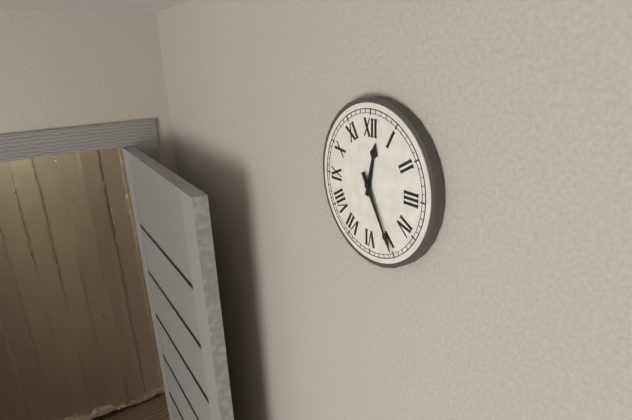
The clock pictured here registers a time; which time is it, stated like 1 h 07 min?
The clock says 12 h 25 min
